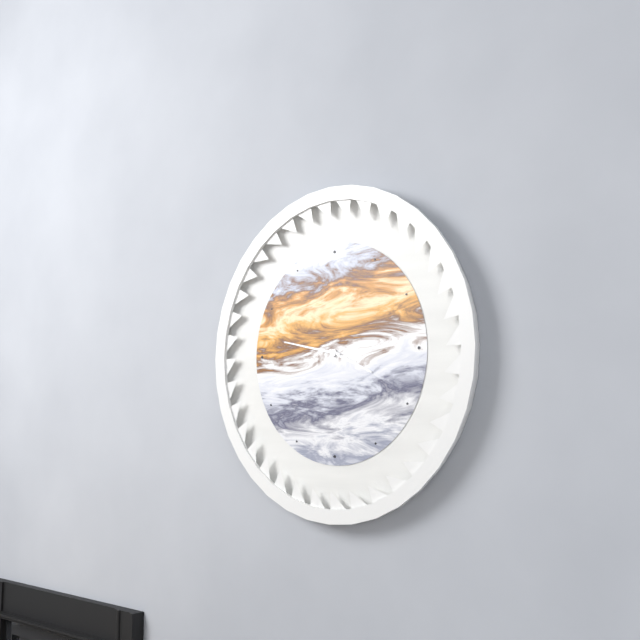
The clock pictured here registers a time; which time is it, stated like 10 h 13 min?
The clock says 3 h 47 min
